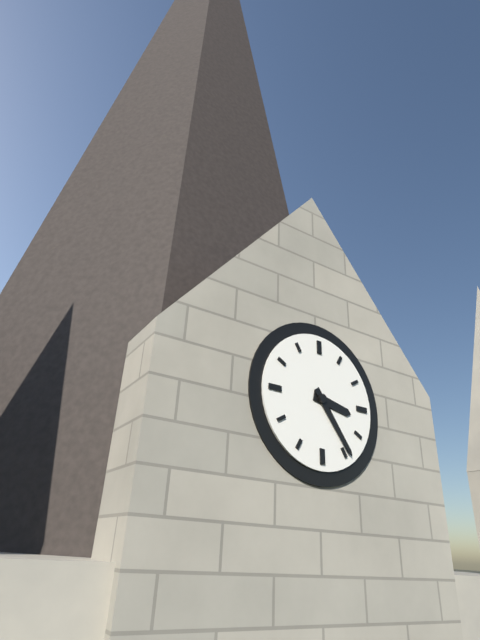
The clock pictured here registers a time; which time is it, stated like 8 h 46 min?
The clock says 3 h 24 min
